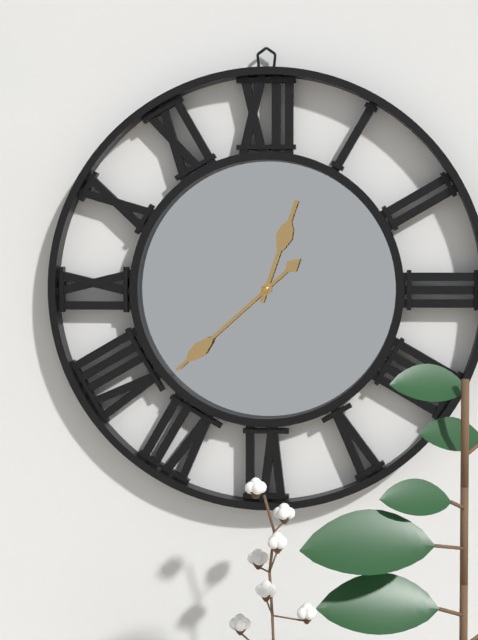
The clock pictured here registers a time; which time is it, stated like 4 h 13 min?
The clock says 12 h 38 min
